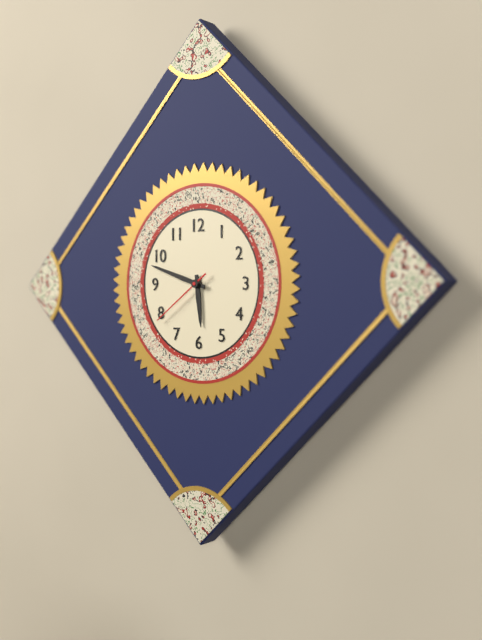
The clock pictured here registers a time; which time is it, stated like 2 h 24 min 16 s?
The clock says 5 h 48 min 39 s
